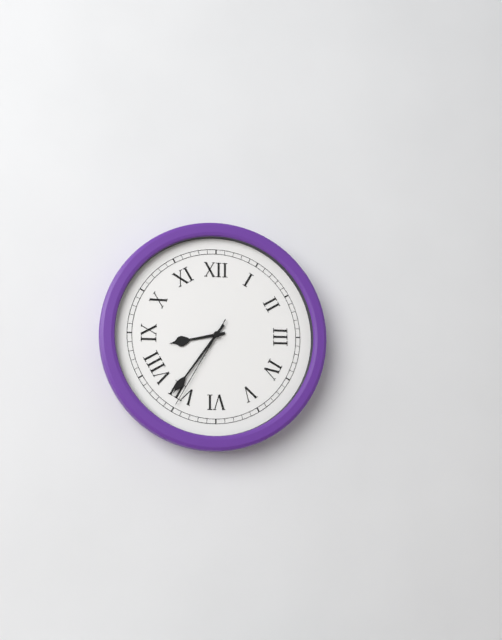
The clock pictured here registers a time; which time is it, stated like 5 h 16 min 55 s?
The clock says 8 h 36 min 35 s
